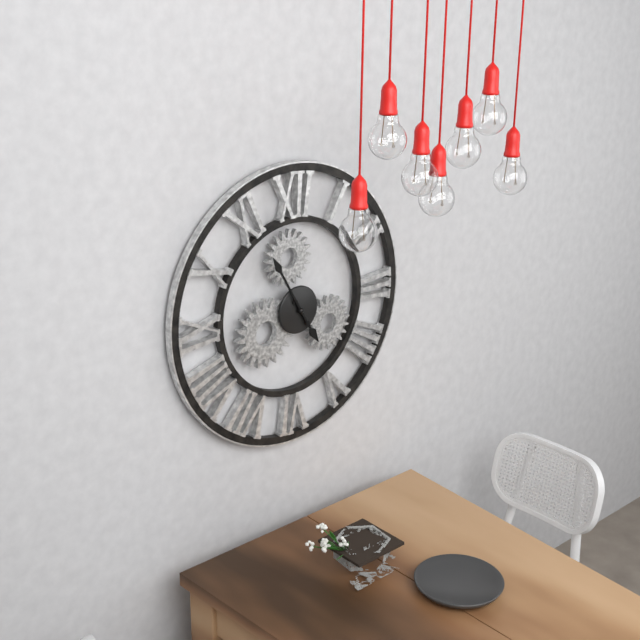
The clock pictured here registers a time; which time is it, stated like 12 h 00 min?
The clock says 4 h 55 min
